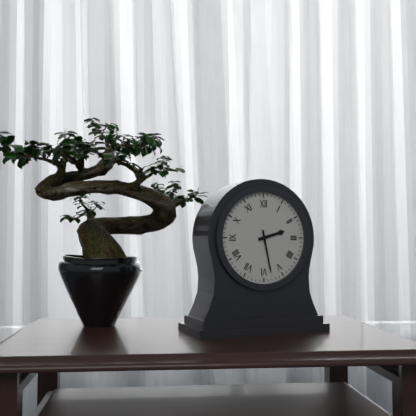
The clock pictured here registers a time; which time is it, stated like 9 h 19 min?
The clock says 2 h 28 min
